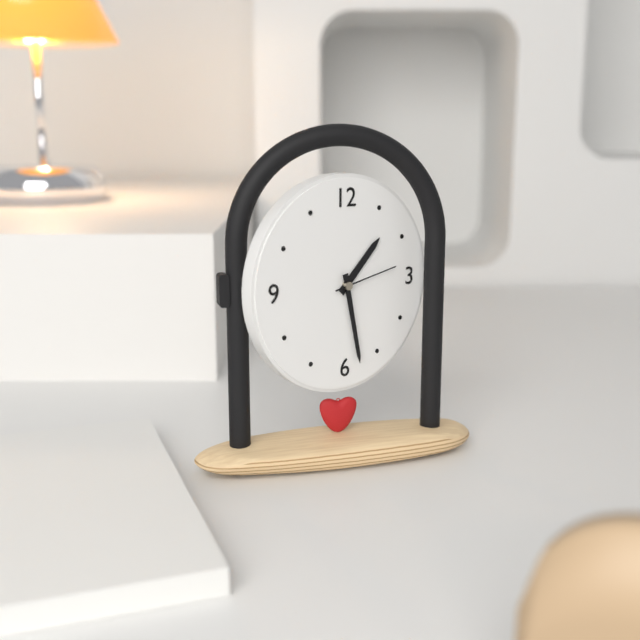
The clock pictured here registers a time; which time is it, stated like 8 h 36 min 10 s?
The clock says 1 h 28 min 13 s
